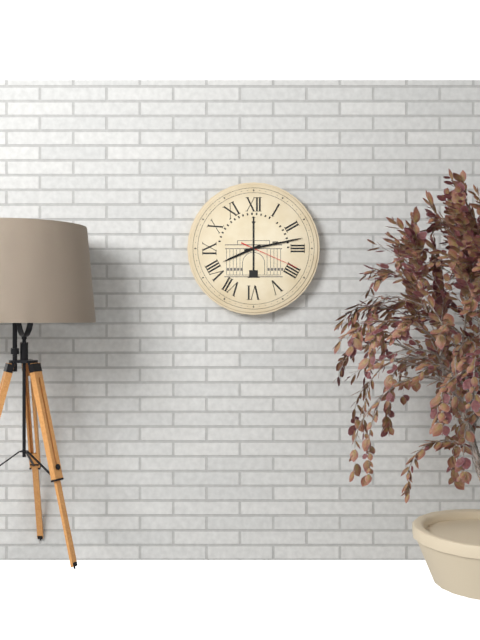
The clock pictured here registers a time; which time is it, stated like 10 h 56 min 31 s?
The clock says 8 h 13 min 19 s
